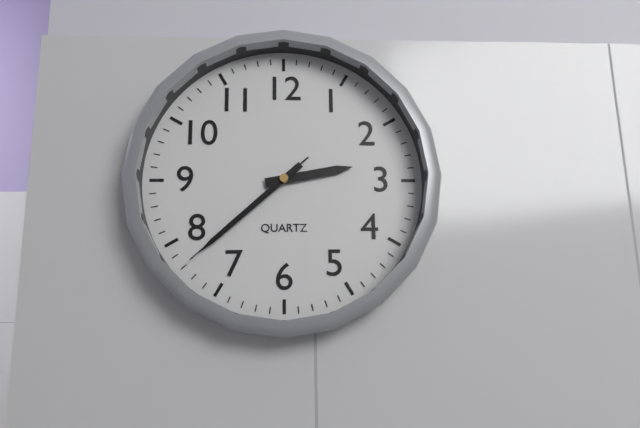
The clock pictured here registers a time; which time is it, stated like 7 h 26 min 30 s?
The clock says 2 h 38 min 38 s
